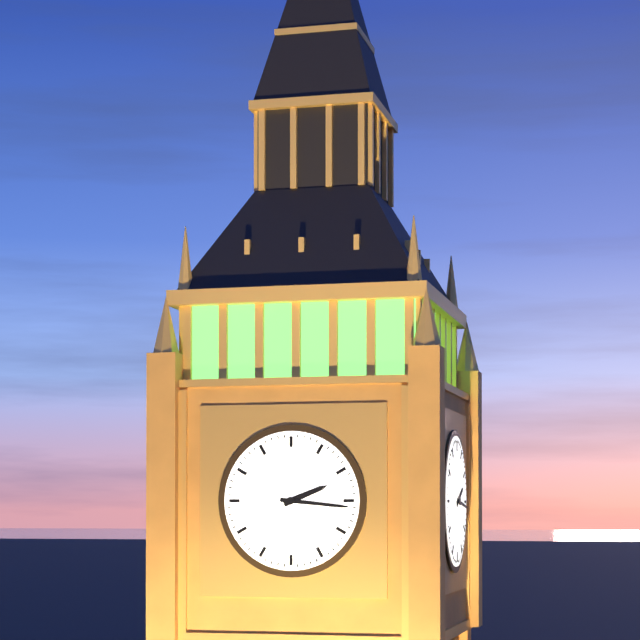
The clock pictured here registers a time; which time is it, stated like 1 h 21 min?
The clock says 2 h 16 min
